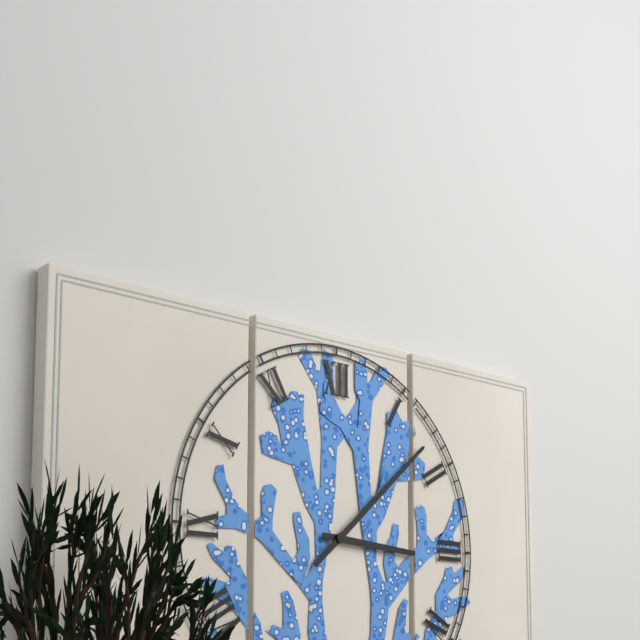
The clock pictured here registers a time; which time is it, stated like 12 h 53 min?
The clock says 3 h 08 min
